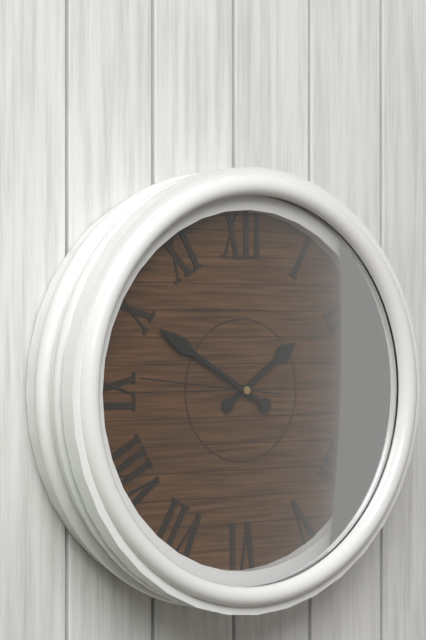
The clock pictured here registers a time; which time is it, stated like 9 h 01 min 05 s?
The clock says 1 h 50 min 46 s
